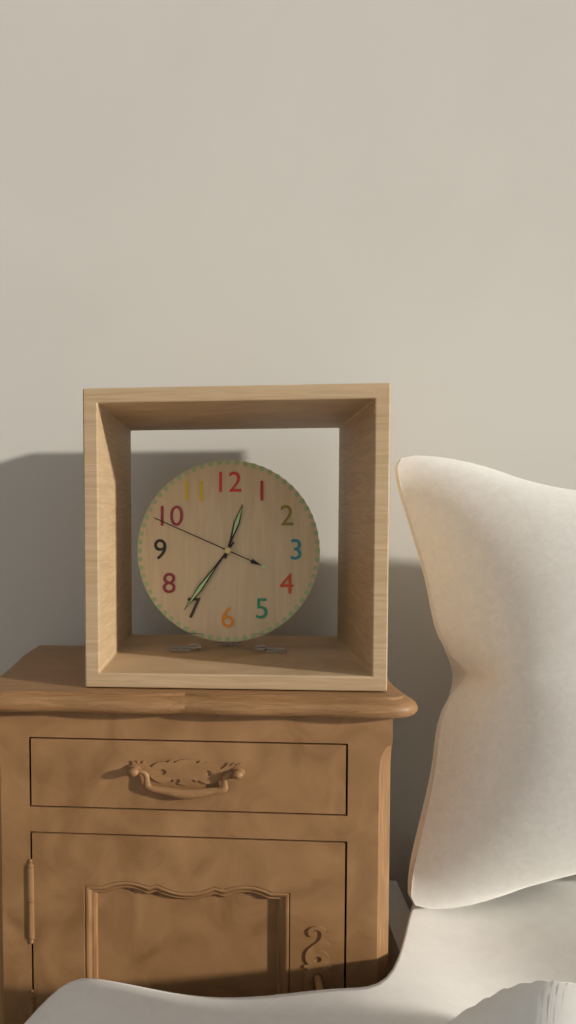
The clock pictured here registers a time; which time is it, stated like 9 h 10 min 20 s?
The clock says 12 h 36 min 49 s
